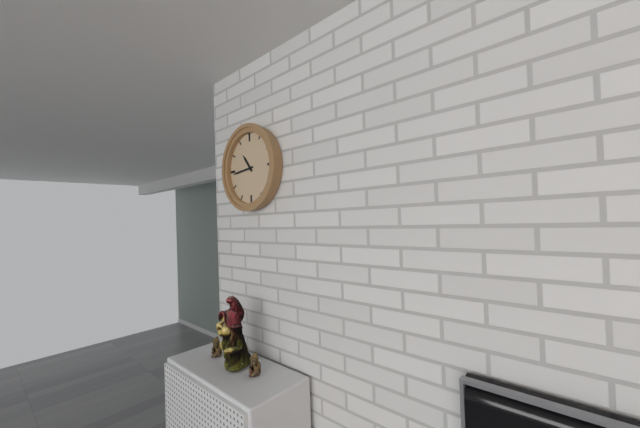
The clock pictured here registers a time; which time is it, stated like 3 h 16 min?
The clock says 10 h 44 min
